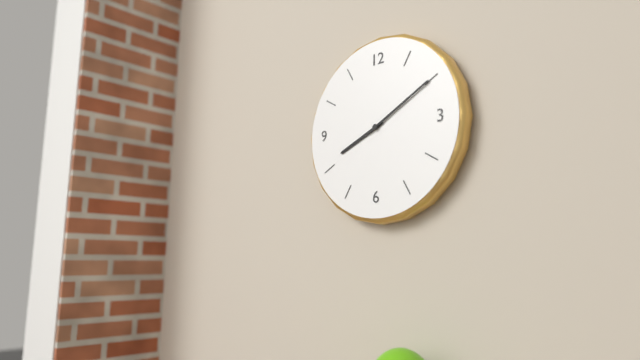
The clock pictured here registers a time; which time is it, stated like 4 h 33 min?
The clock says 8 h 10 min
